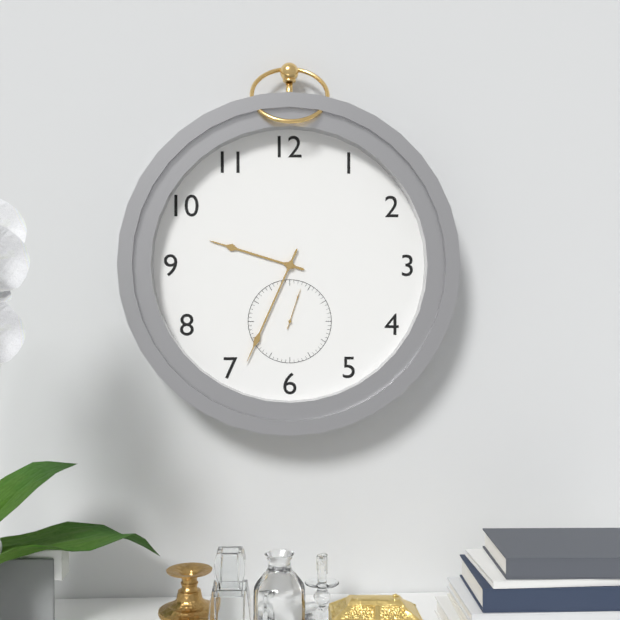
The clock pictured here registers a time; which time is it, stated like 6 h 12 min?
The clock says 9 h 34 min
